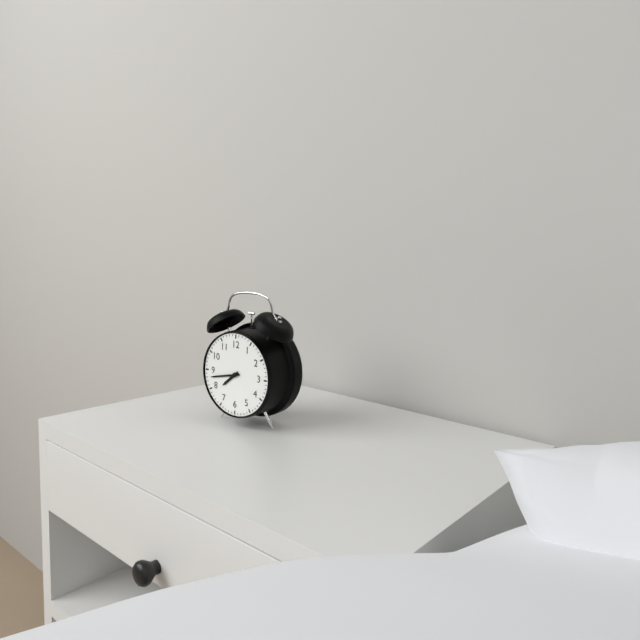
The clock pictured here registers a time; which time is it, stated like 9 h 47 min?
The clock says 7 h 43 min
